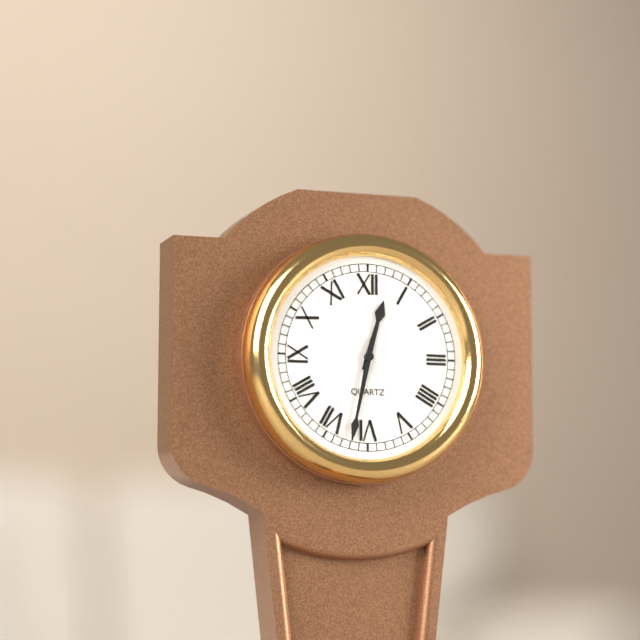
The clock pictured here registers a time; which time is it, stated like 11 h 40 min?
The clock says 12 h 32 min
